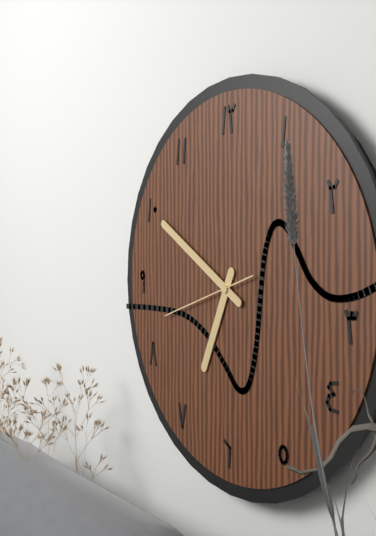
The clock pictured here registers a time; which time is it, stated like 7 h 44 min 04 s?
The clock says 6 h 50 min 42 s
